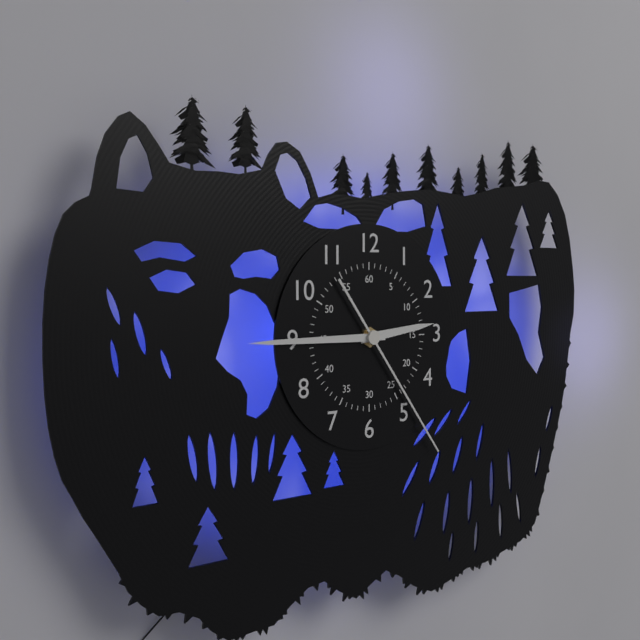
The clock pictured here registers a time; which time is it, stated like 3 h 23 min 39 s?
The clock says 2 h 45 min 24 s
